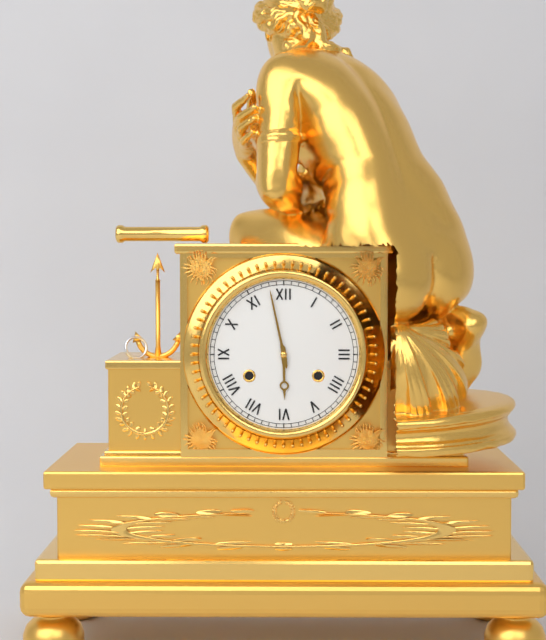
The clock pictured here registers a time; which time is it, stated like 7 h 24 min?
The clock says 5 h 58 min
